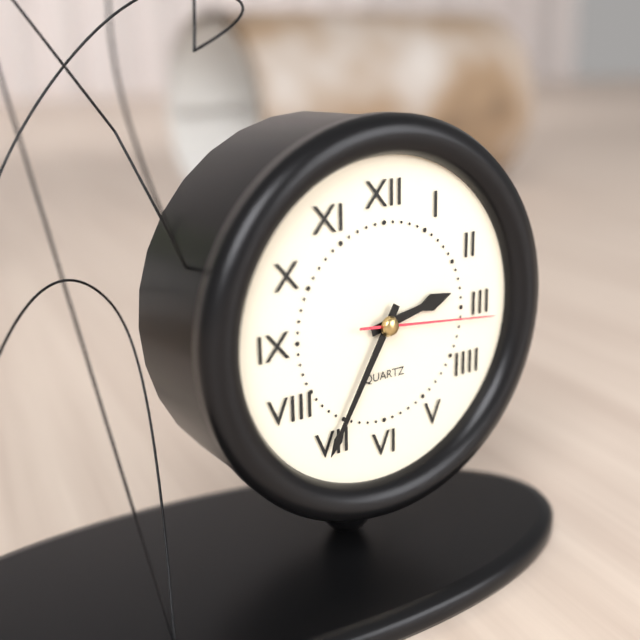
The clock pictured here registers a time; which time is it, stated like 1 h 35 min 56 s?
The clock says 2 h 35 min 16 s
